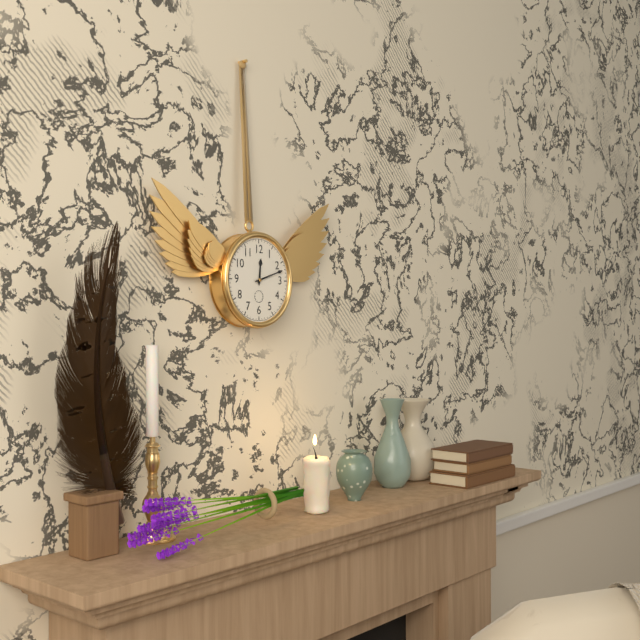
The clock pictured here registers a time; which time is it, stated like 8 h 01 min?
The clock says 12 h 12 min
